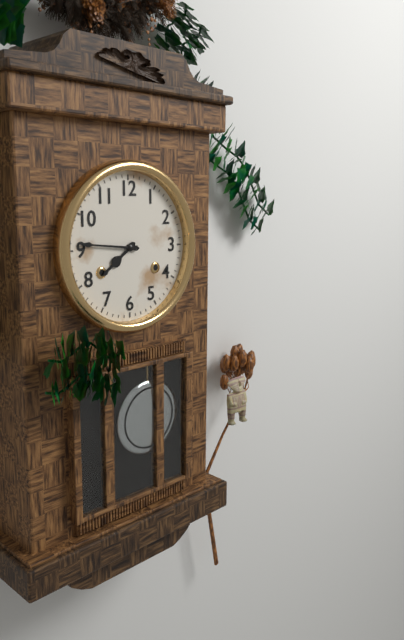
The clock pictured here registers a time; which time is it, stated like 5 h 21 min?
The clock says 7 h 46 min
